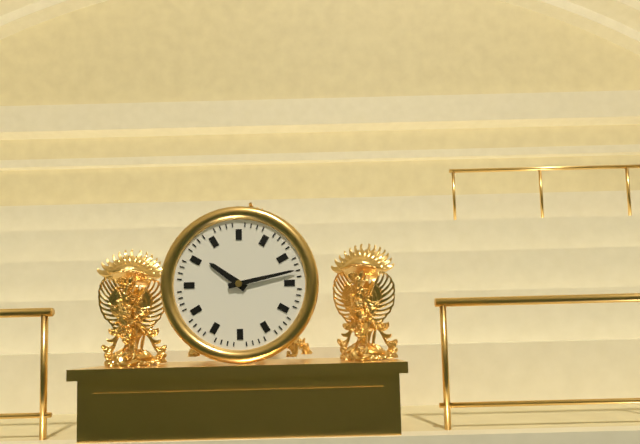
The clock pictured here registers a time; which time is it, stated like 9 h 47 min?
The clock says 10 h 13 min
